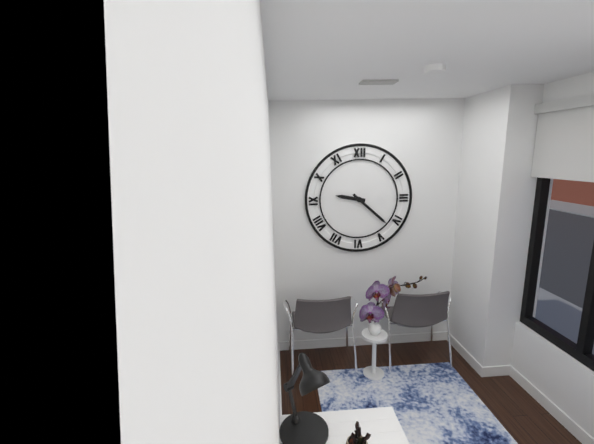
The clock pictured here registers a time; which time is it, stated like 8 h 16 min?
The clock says 9 h 22 min
